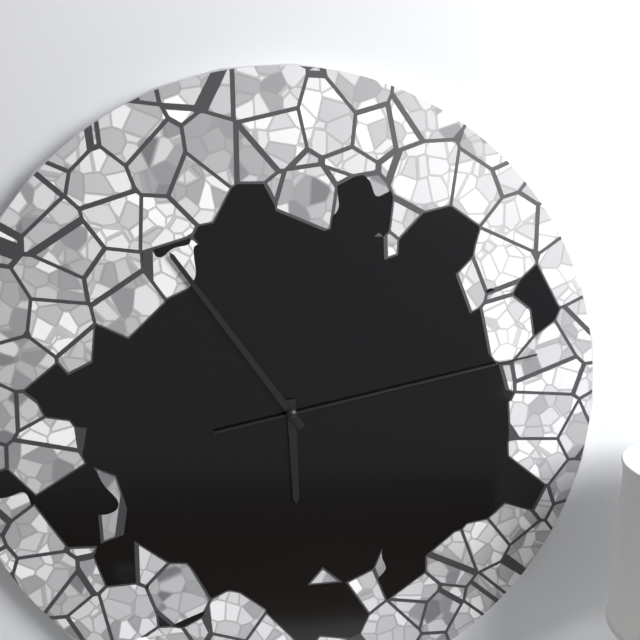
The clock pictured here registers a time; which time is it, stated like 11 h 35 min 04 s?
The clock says 5 h 54 min 13 s
